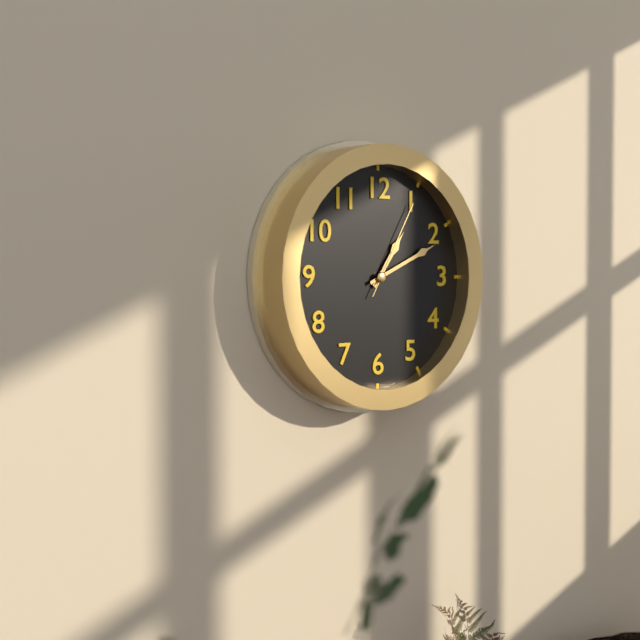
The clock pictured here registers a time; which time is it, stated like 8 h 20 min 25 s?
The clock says 1 h 11 min 05 s
